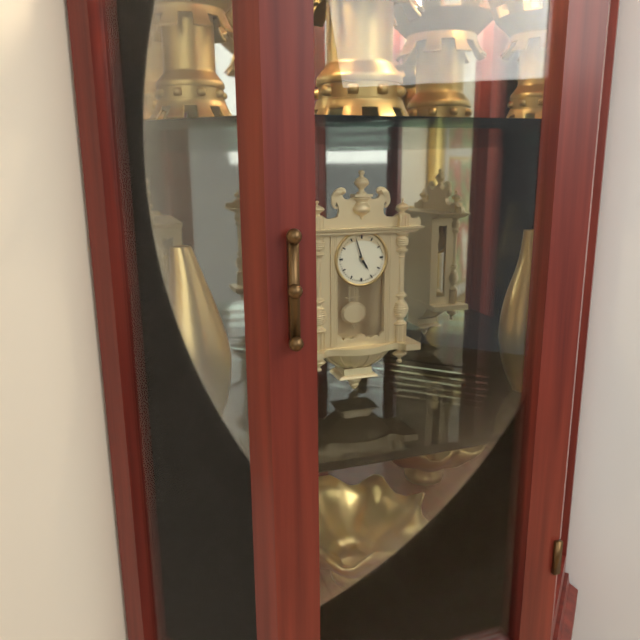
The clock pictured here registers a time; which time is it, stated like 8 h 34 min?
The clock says 4 h 57 min
